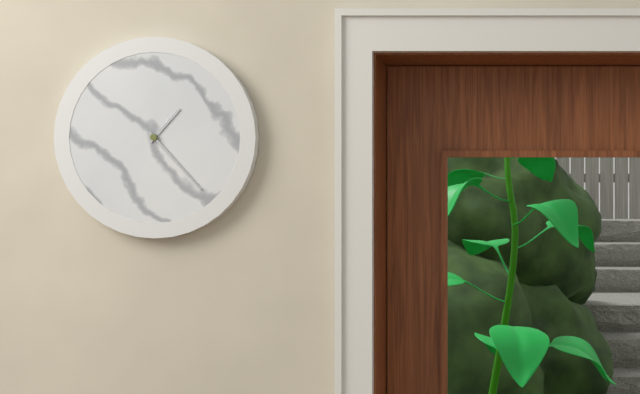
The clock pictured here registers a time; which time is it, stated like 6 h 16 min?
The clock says 1 h 23 min
